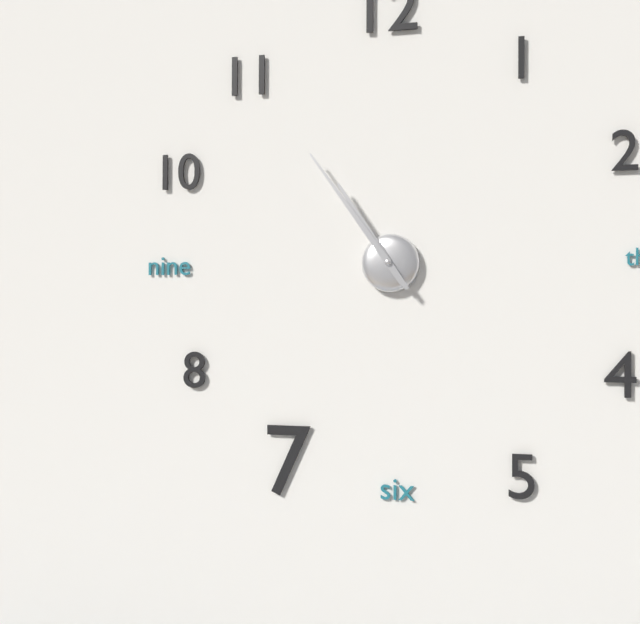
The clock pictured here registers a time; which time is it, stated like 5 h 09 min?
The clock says 10 h 54 min
